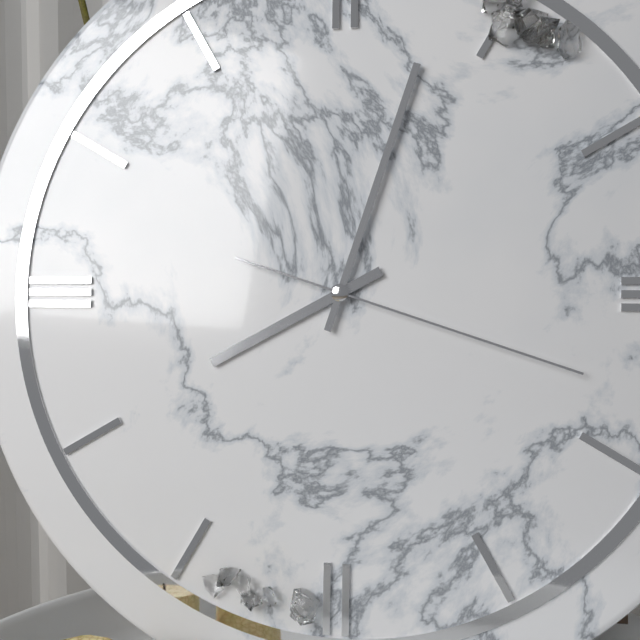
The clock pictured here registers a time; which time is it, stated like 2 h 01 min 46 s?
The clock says 8 h 03 min 18 s
